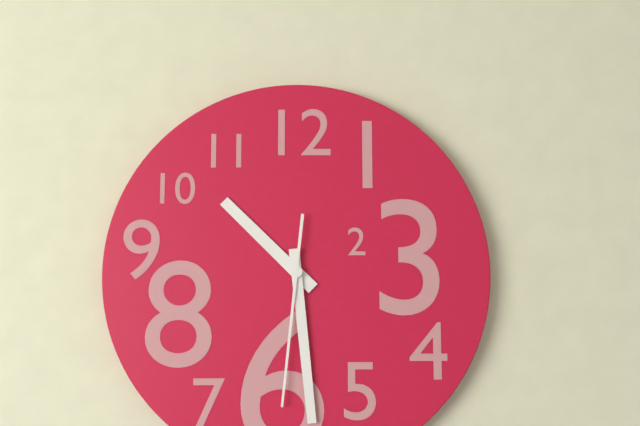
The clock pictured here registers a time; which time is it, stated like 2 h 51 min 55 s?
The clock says 10 h 29 min 31 s
